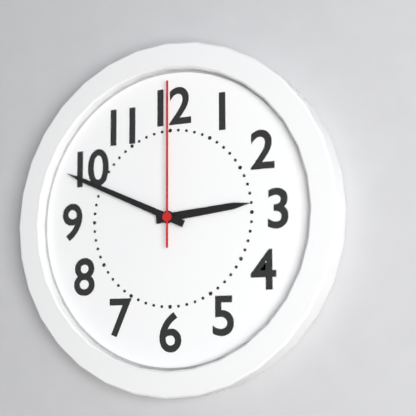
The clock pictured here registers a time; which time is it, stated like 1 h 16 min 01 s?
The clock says 2 h 49 min 00 s
